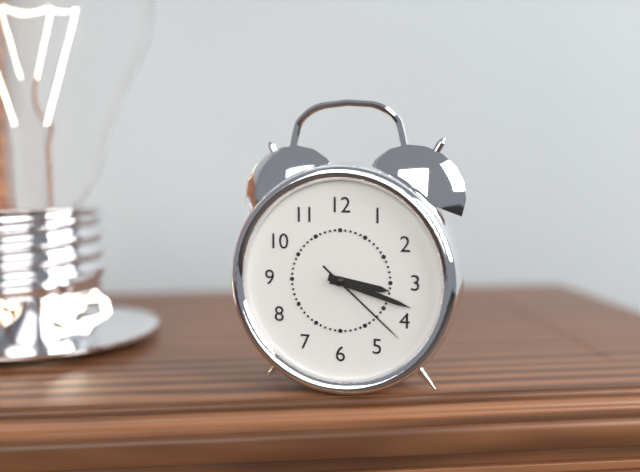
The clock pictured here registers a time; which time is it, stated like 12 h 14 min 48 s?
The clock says 3 h 18 min 22 s
